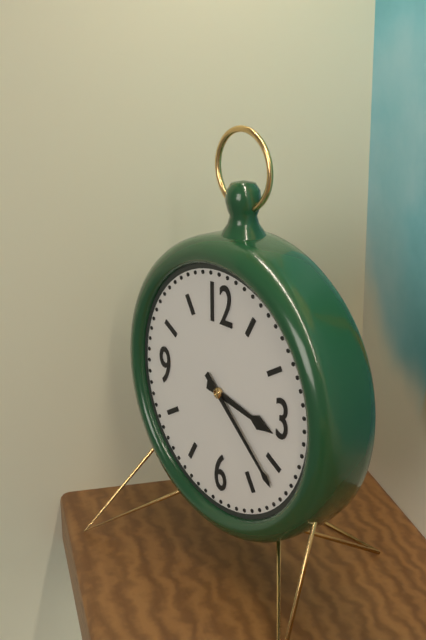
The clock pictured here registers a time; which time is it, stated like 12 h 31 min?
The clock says 3 h 22 min
